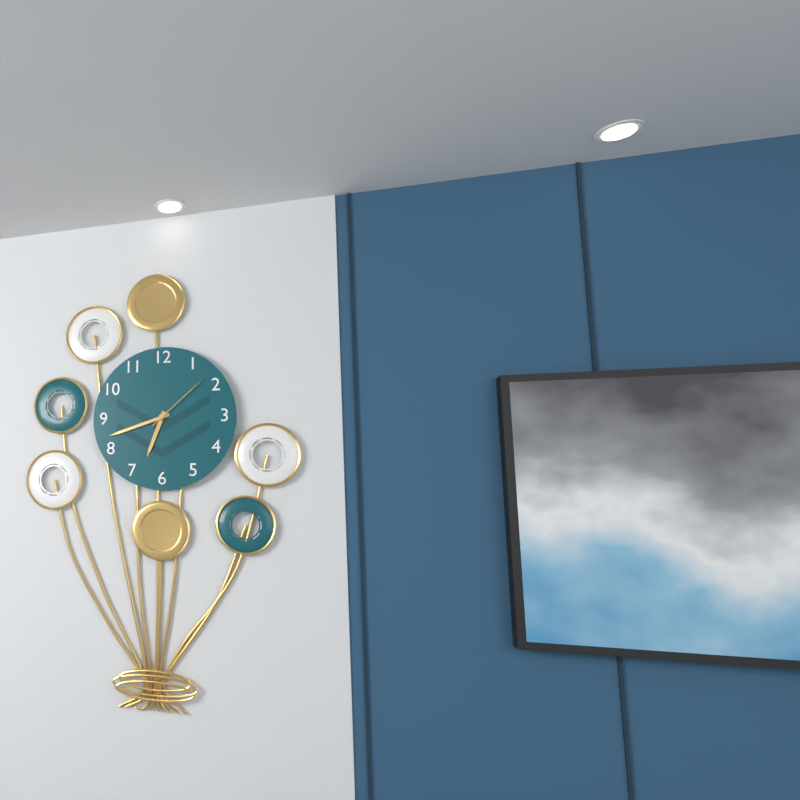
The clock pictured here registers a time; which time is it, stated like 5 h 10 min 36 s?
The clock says 6 h 42 min 08 s
